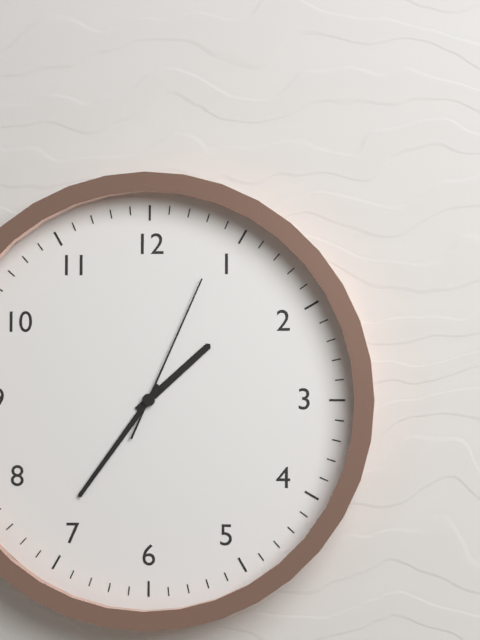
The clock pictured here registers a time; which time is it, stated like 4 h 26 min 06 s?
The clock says 1 h 36 min 04 s
